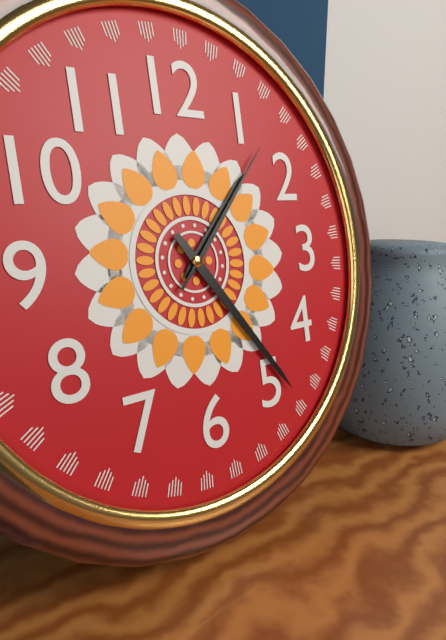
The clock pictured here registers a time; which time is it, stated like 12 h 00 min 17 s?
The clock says 1 h 24 min 07 s
